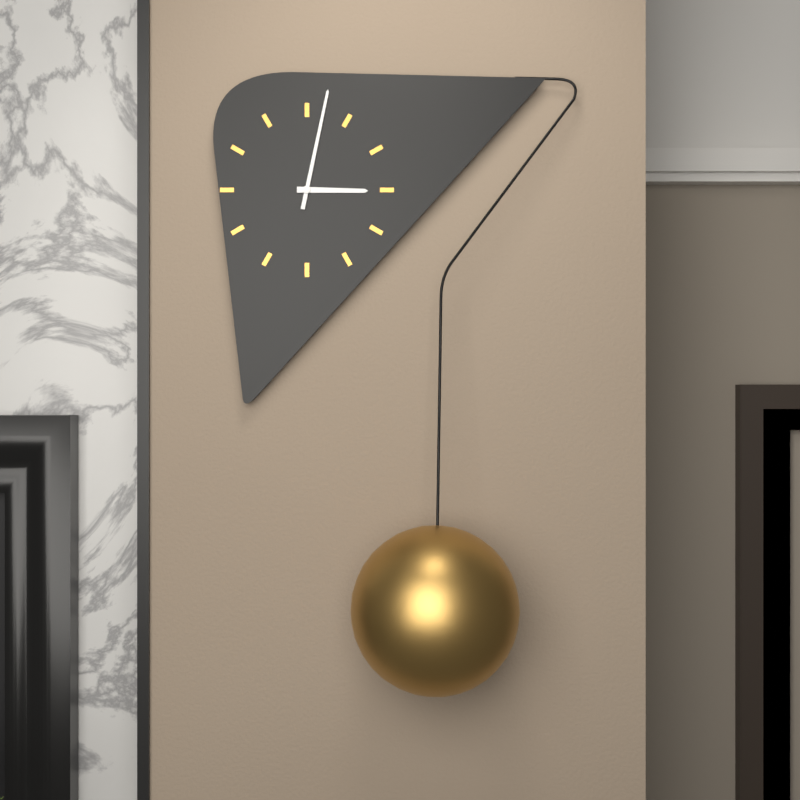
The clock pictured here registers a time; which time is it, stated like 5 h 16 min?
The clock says 3 h 02 min
